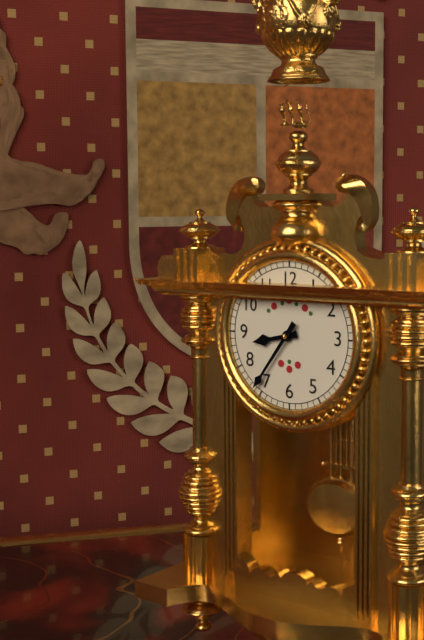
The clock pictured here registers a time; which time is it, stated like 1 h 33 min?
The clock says 8 h 36 min
